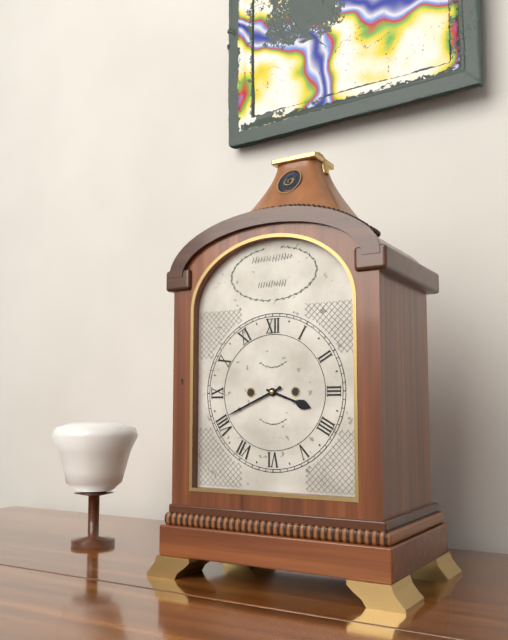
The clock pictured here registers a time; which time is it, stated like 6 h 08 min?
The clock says 3 h 41 min
